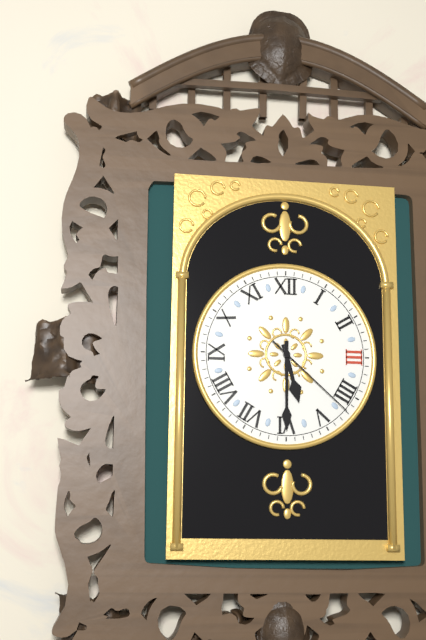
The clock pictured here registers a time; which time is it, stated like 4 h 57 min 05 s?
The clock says 5 h 30 min 22 s
